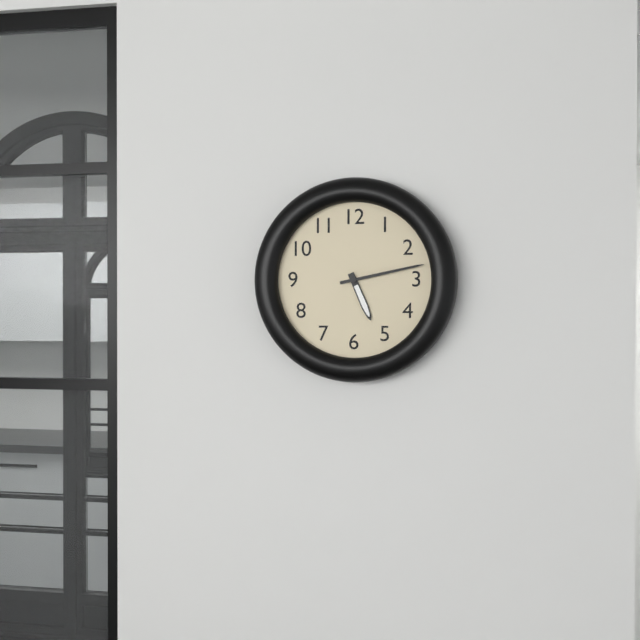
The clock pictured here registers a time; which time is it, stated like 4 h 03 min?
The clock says 5 h 13 min
